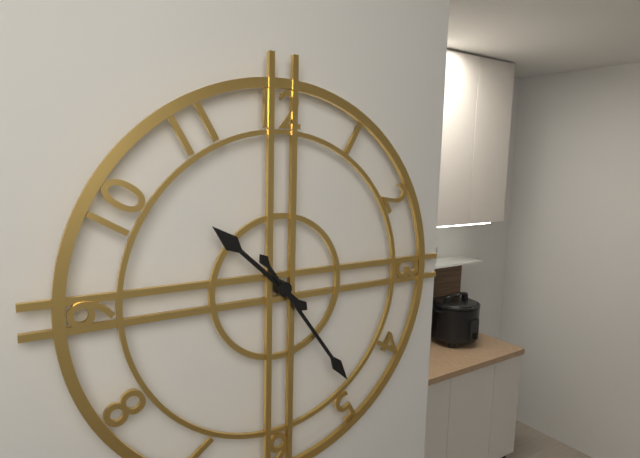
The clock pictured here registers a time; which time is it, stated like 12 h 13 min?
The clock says 10 h 24 min
